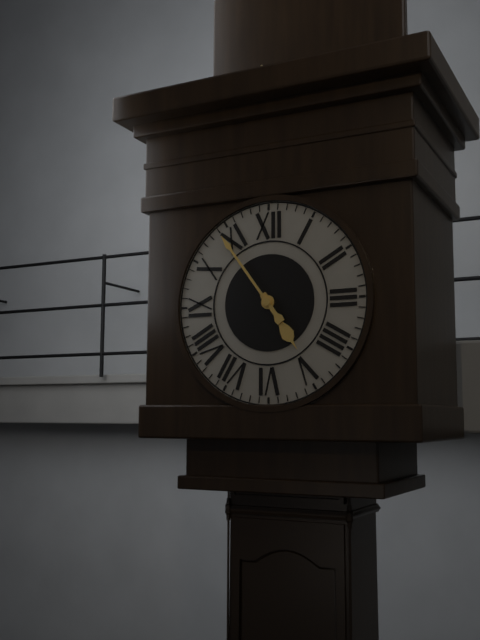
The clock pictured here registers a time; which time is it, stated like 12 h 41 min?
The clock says 4 h 54 min
